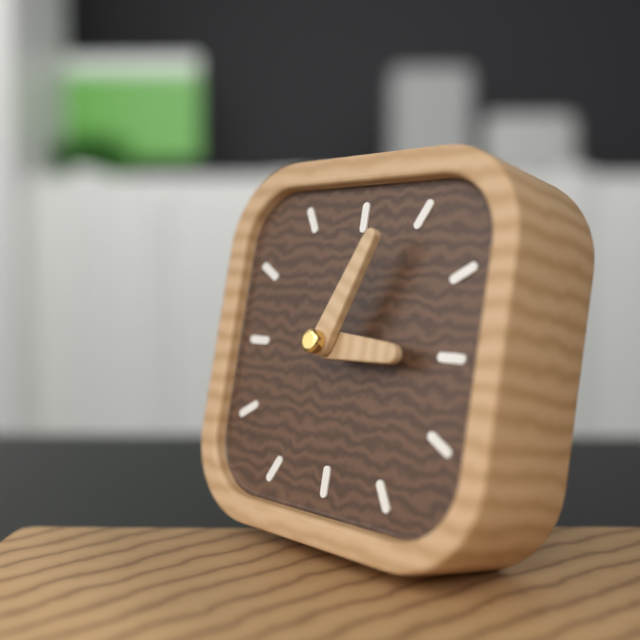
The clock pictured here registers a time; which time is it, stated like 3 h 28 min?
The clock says 3 h 04 min
